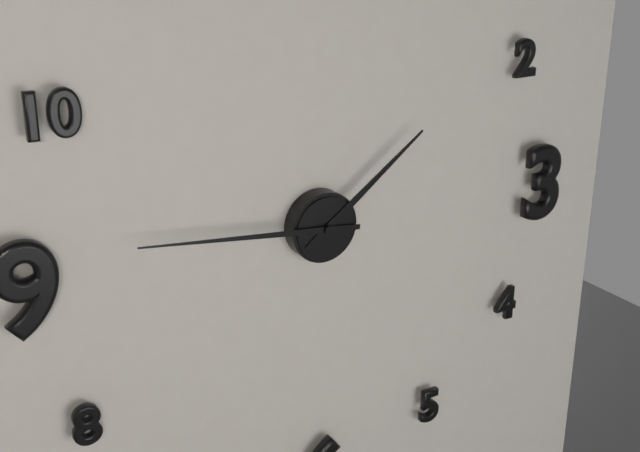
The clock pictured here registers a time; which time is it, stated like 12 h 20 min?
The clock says 1 h 46 min
